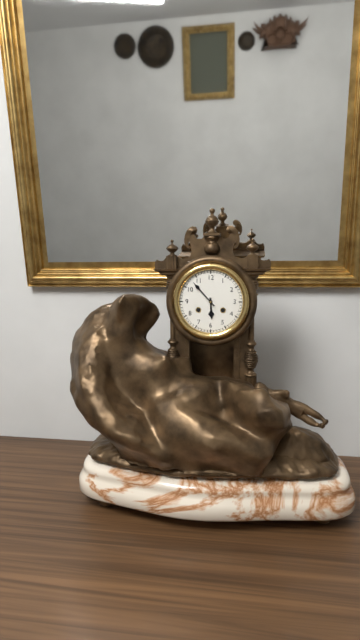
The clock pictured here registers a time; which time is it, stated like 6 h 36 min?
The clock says 5 h 53 min
